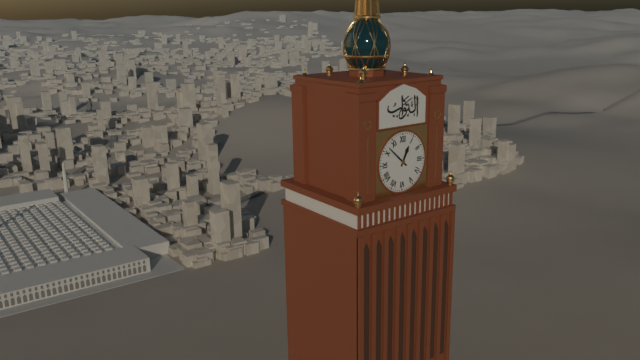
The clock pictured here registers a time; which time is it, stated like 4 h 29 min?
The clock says 12 h 52 min
